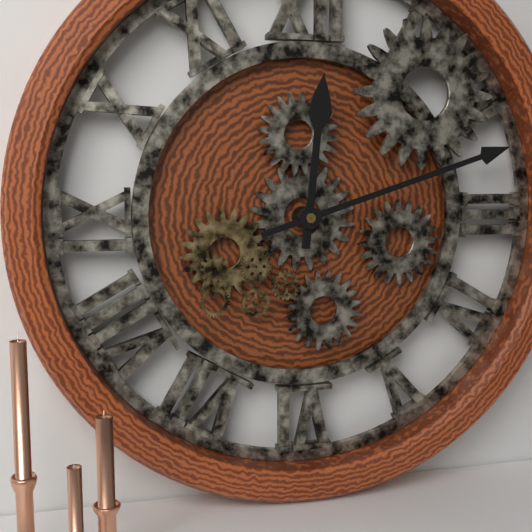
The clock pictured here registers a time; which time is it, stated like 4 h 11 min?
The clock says 12 h 12 min
